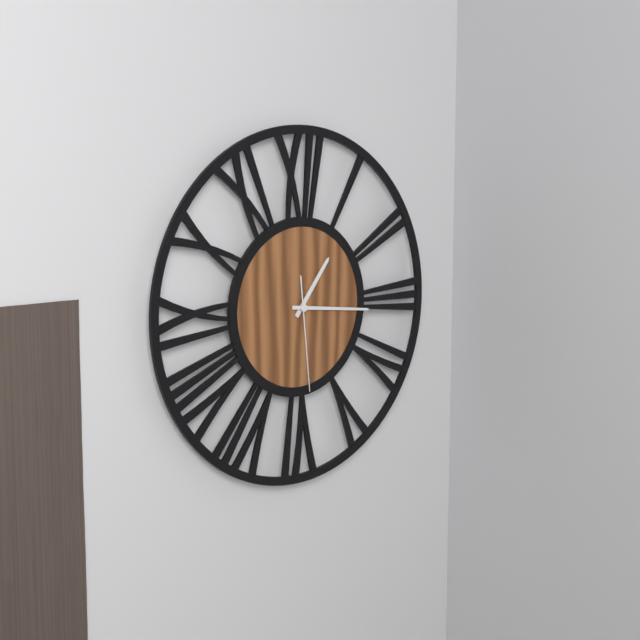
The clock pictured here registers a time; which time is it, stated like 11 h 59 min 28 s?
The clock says 1 h 16 min 29 s
